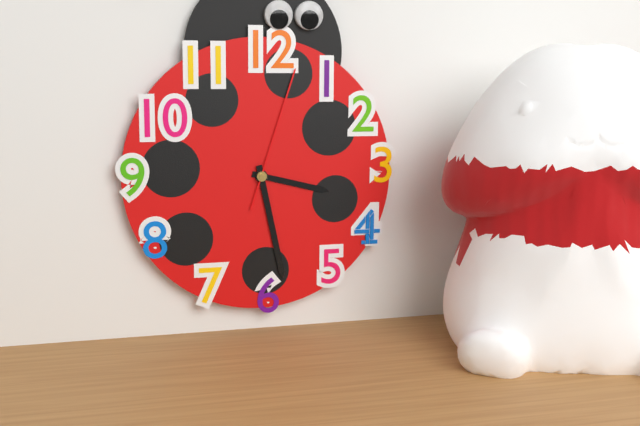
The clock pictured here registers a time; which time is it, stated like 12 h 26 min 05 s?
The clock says 3 h 28 min 03 s
